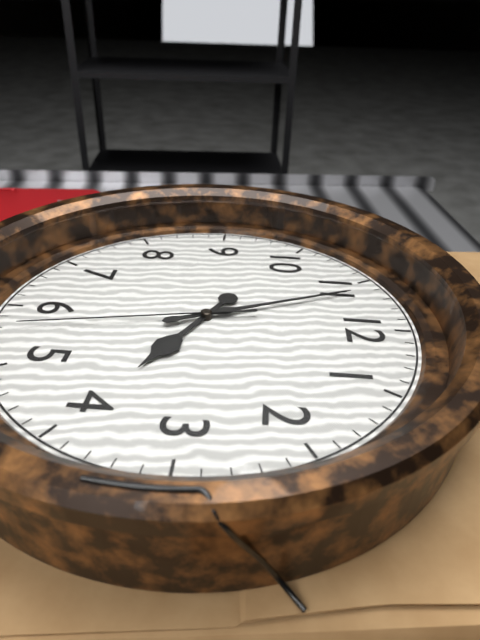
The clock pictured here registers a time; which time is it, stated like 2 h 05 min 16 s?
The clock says 3 h 56 min 28 s
